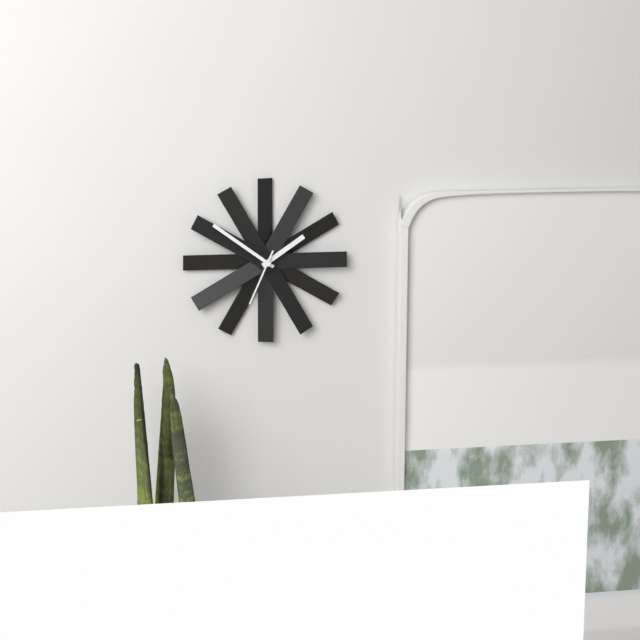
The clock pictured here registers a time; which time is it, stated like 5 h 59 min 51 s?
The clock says 1 h 51 min 34 s
